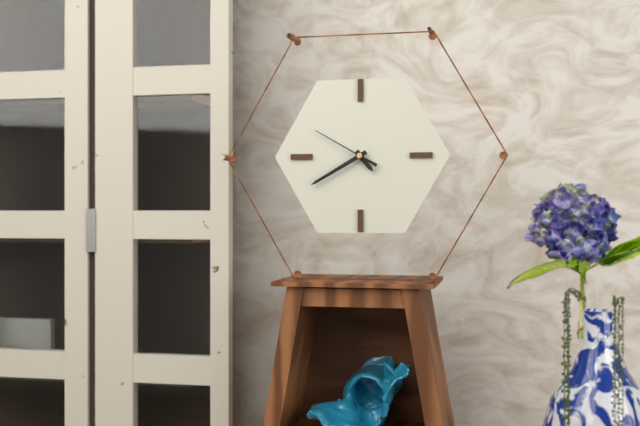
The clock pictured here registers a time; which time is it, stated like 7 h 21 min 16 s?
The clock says 4 h 40 min 50 s
